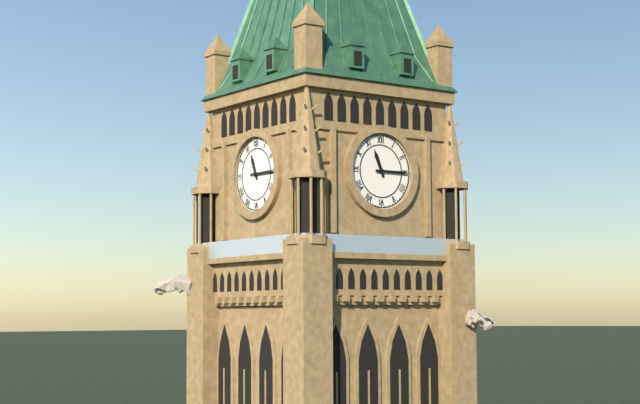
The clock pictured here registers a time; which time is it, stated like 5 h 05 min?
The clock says 11 h 15 min
